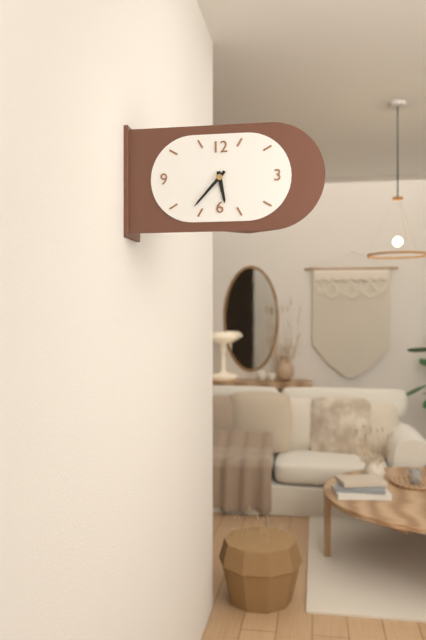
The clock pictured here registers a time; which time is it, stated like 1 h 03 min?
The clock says 5 h 37 min
